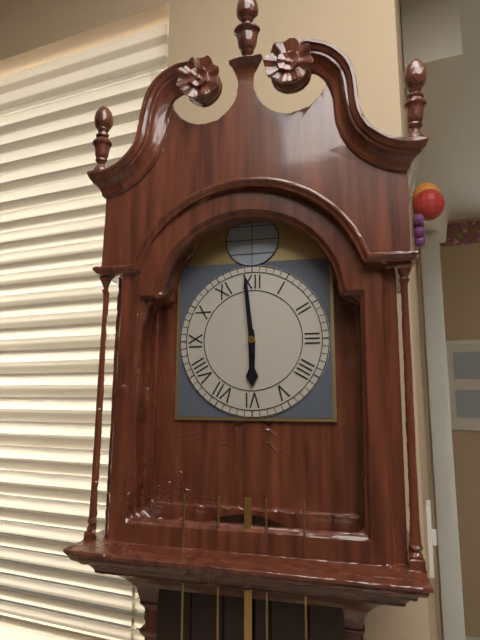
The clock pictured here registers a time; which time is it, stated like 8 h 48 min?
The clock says 5 h 59 min
